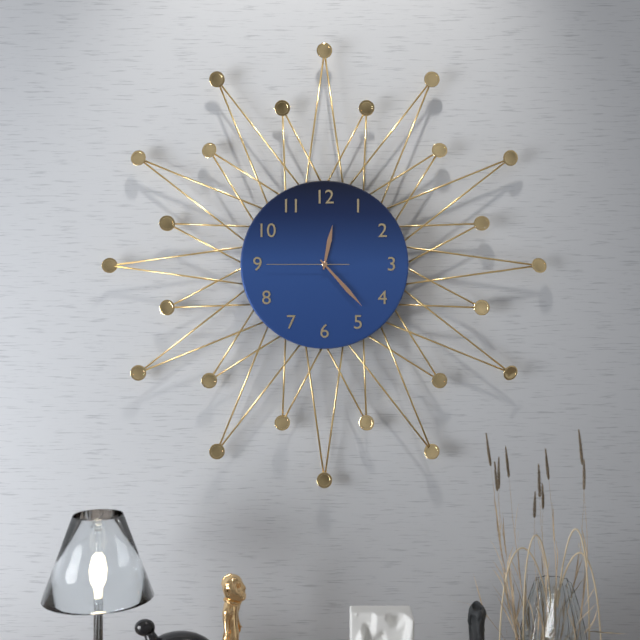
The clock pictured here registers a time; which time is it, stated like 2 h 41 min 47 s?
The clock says 12 h 23 min 45 s
